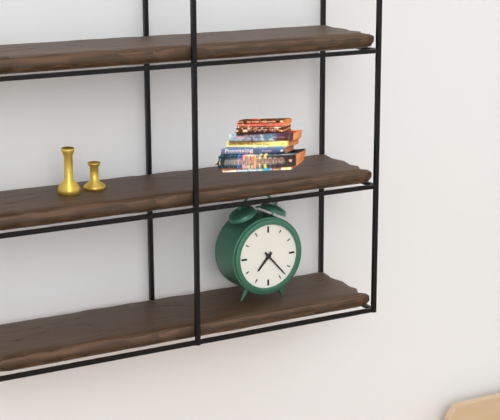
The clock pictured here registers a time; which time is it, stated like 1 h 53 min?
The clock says 7 h 23 min
